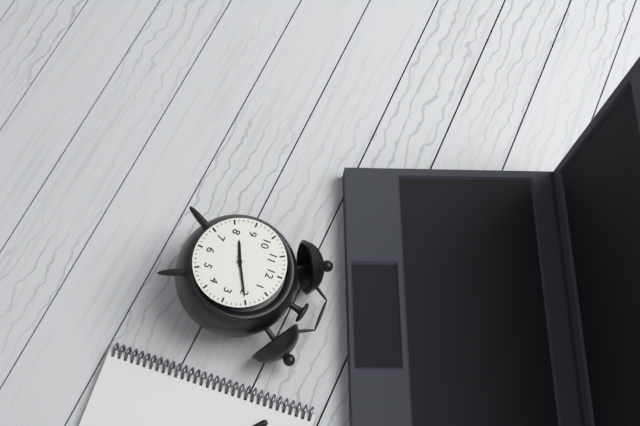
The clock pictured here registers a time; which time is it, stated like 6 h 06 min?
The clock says 8 h 10 min
